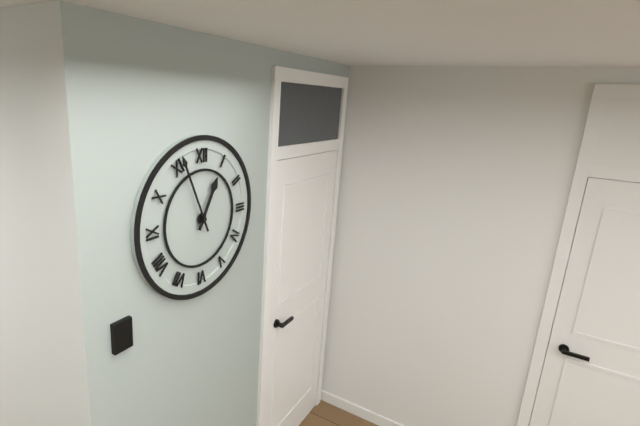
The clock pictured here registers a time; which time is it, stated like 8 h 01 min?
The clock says 12 h 56 min
